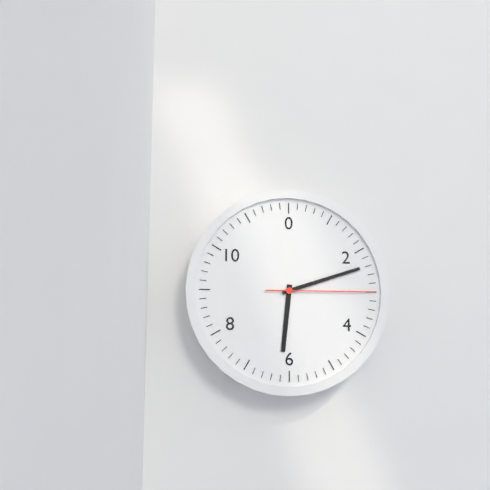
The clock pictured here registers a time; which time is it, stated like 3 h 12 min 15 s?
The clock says 6 h 12 min 15 s
